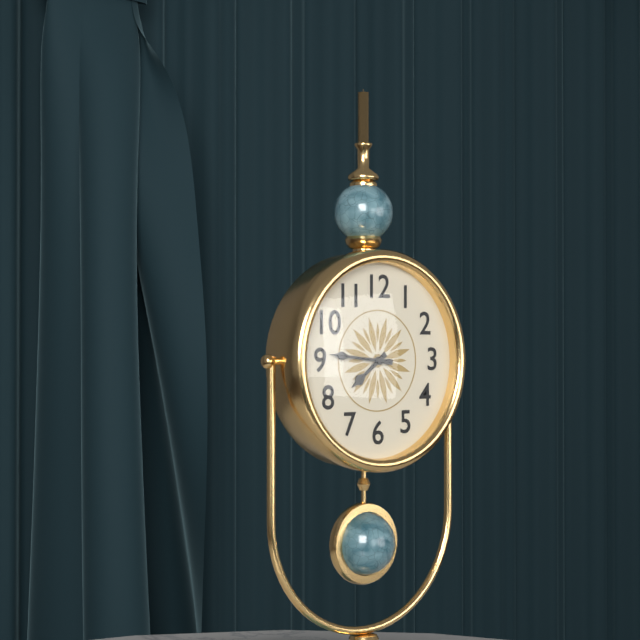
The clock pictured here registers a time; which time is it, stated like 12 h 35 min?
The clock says 7 h 46 min
